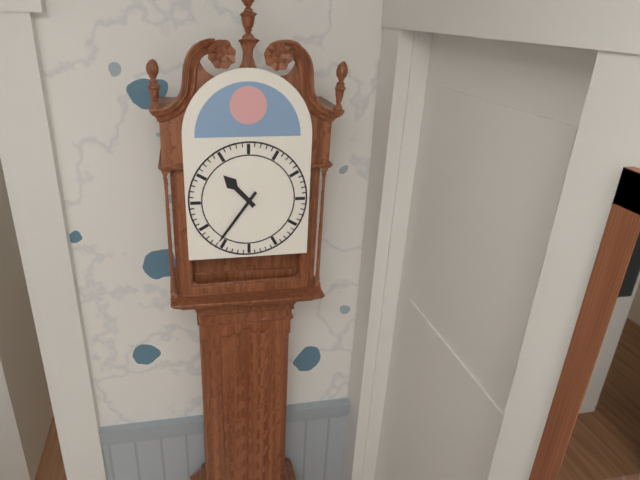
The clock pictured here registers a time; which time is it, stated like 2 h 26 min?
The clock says 10 h 36 min
